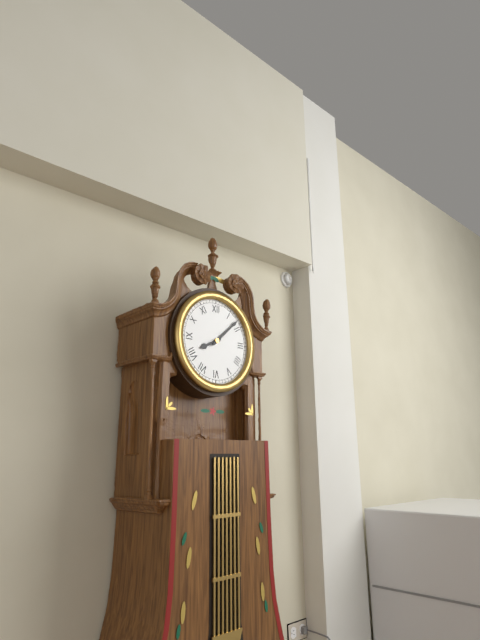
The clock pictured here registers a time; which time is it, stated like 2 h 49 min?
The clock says 8 h 08 min
